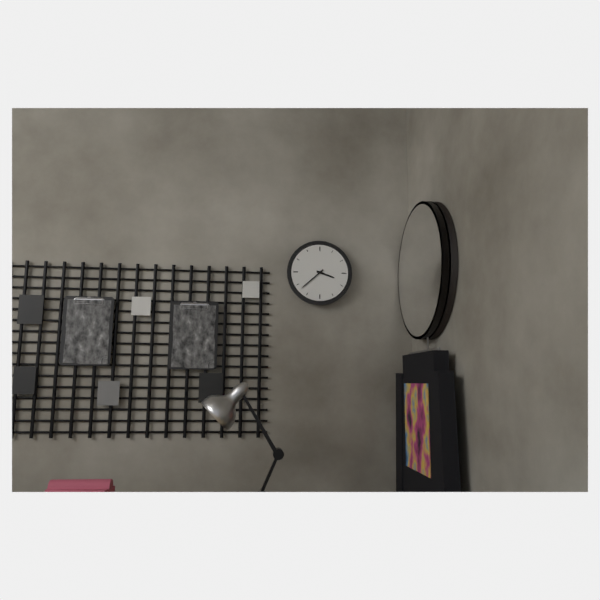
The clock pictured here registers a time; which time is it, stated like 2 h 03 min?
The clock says 3 h 38 min
